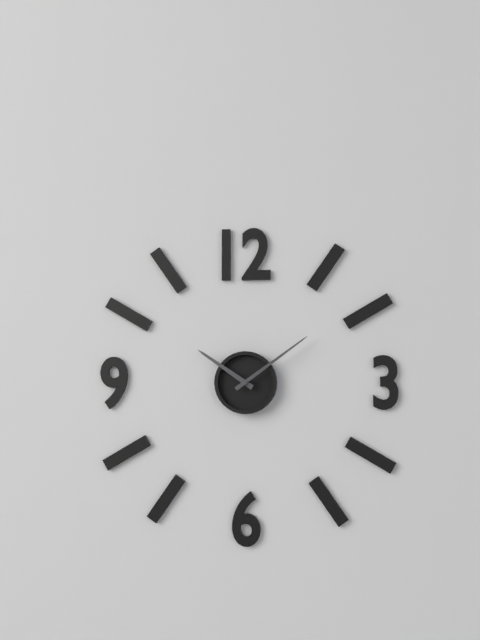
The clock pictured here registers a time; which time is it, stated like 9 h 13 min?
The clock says 10 h 09 min
